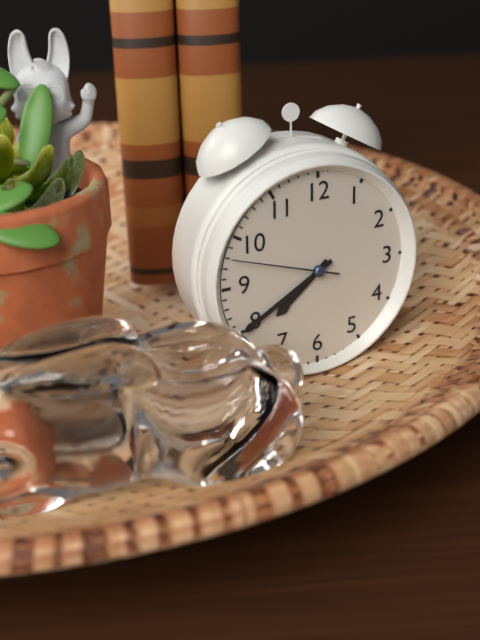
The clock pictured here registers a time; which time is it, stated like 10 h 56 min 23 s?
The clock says 7 h 40 min 48 s
